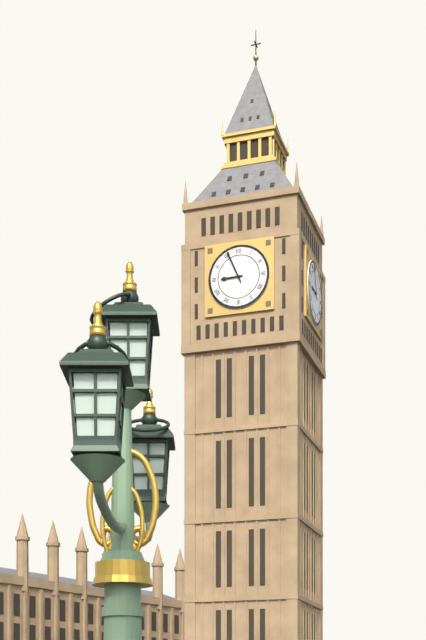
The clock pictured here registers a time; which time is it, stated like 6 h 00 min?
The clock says 8 h 56 min
